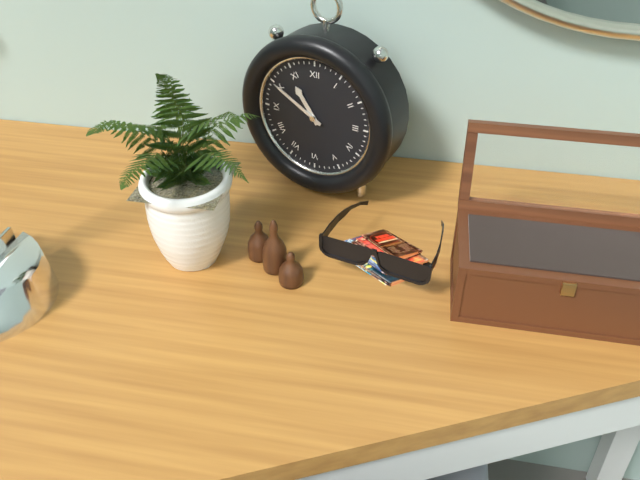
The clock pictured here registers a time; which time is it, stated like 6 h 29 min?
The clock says 10 h 50 min
